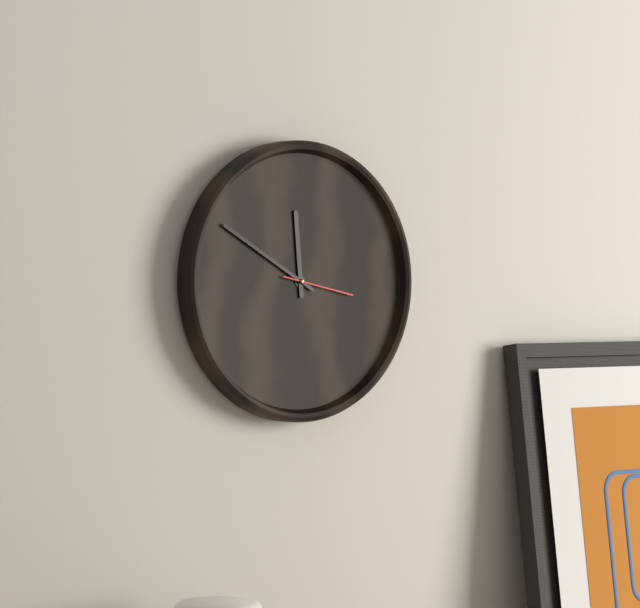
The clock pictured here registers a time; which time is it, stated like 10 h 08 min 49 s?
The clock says 11 h 50 min 17 s
